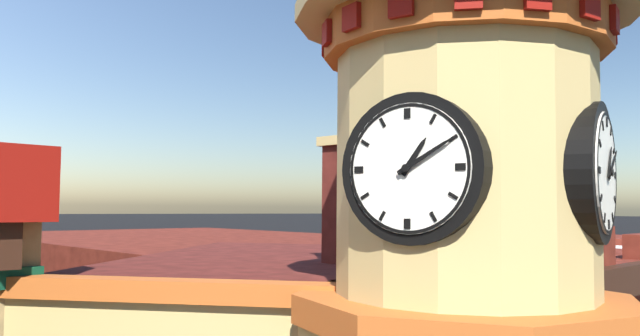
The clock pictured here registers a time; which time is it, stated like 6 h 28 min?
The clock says 1 h 10 min
